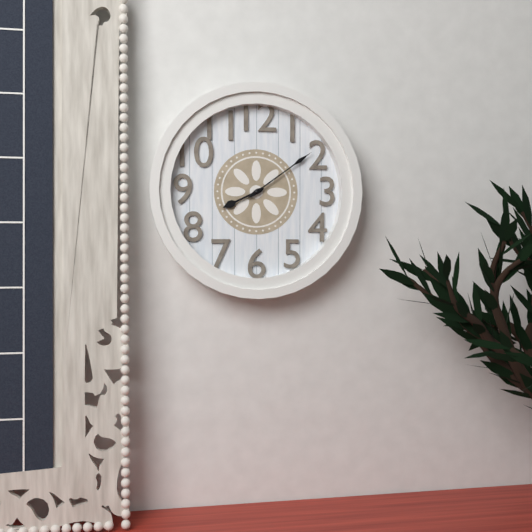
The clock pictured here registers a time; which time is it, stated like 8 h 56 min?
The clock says 8 h 09 min
